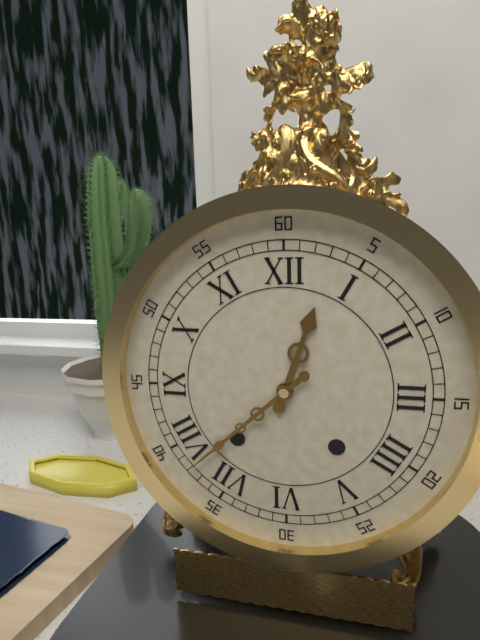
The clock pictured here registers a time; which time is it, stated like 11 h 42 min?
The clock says 12 h 38 min
